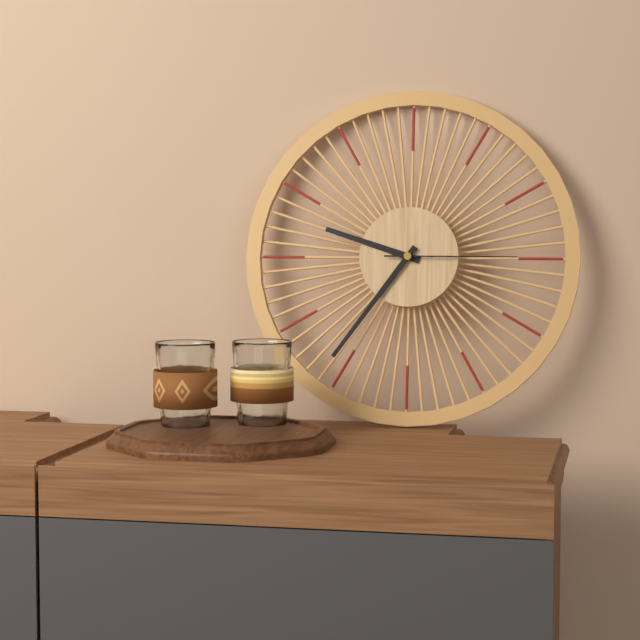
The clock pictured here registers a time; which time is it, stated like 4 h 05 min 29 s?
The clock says 9 h 36 min 15 s
